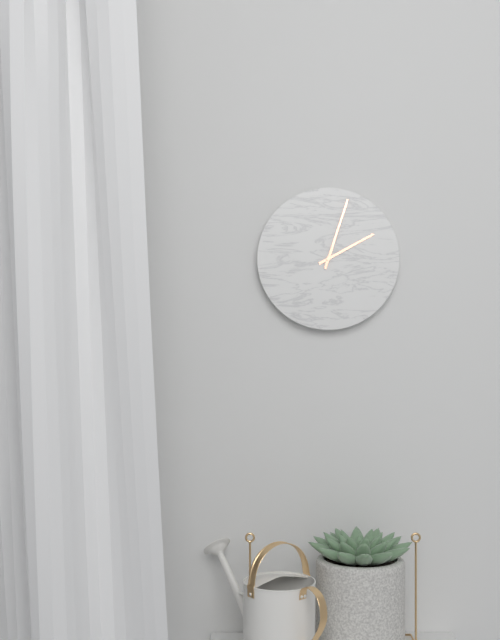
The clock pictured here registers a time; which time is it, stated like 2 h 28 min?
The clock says 2 h 03 min
